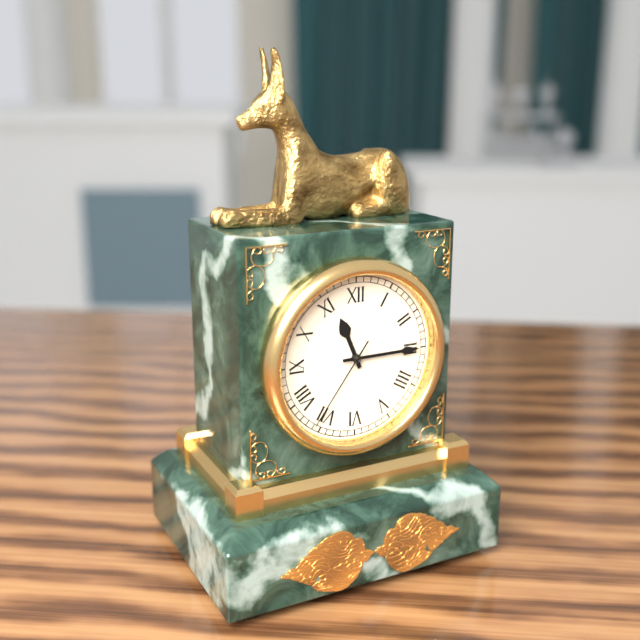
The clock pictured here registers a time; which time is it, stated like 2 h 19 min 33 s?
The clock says 11 h 15 min 36 s
